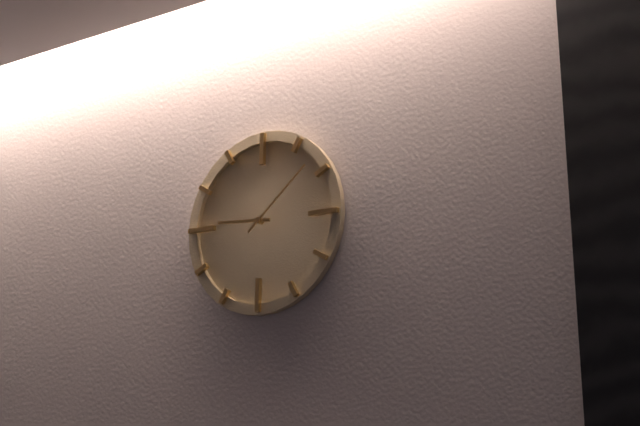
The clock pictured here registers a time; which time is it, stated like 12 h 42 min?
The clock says 9 h 08 min
